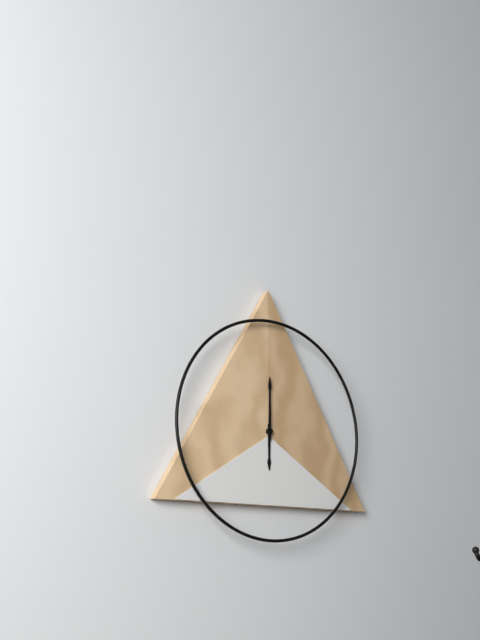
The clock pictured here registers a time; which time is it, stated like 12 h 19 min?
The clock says 6 h 00 min
